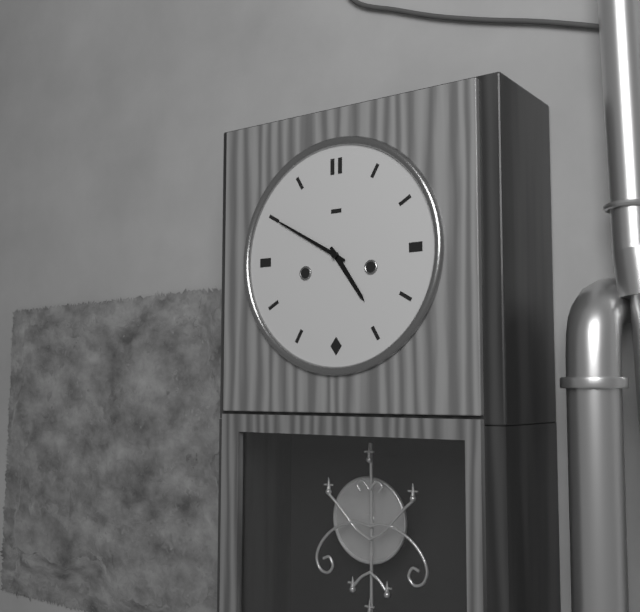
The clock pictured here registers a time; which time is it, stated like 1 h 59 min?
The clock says 4 h 50 min
